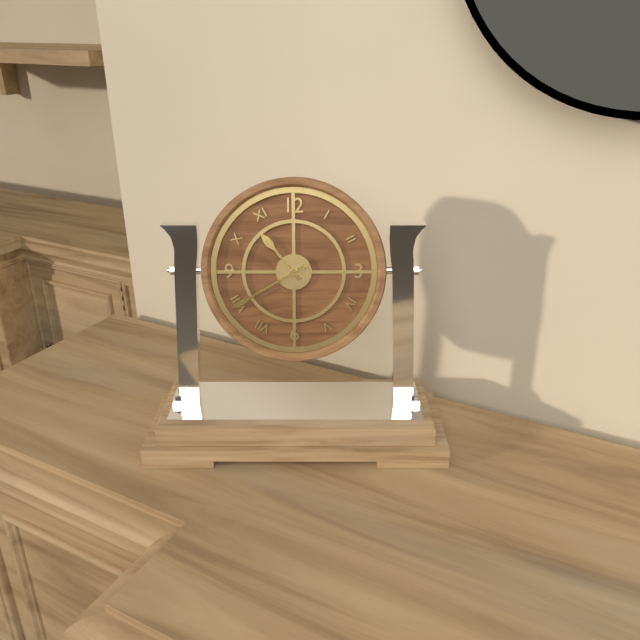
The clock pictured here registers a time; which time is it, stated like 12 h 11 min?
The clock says 10 h 40 min
